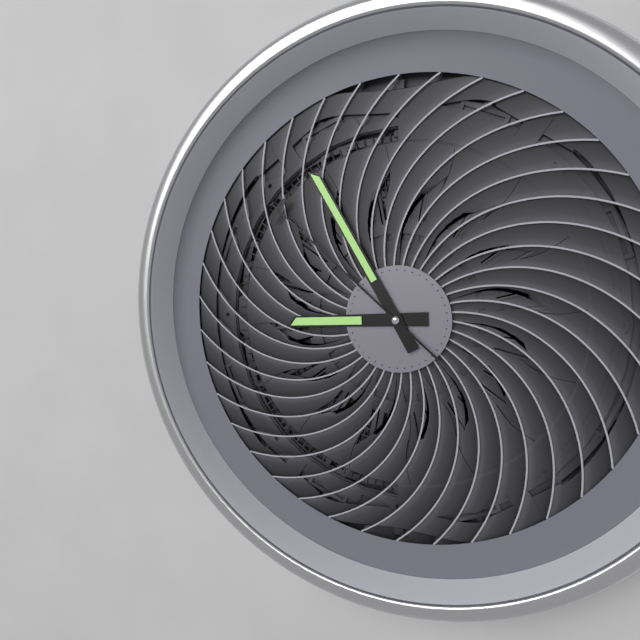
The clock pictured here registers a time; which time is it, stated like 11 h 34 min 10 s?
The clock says 8 h 55 min 52 s
